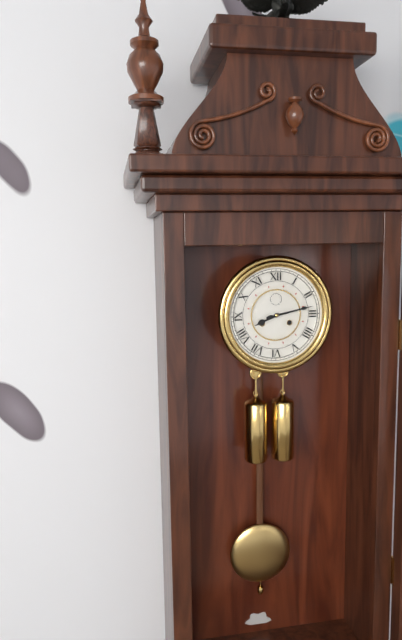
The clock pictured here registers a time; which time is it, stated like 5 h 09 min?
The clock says 8 h 13 min
